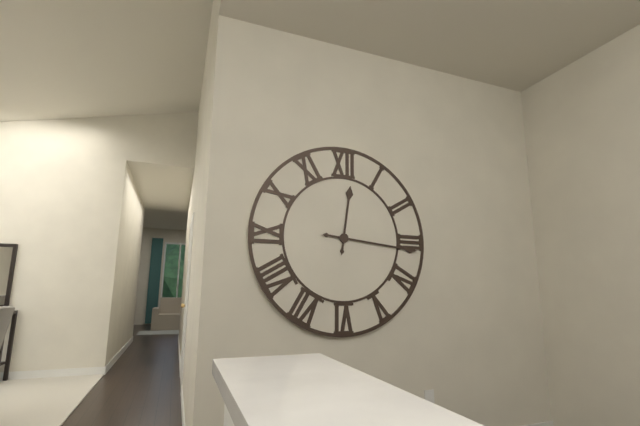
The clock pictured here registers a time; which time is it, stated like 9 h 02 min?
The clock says 12 h 16 min
